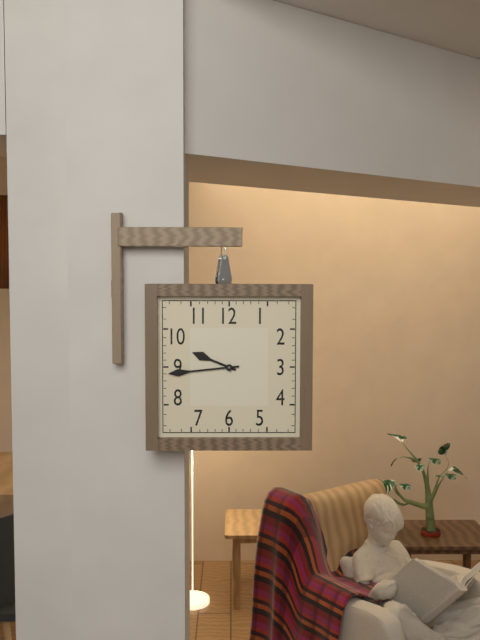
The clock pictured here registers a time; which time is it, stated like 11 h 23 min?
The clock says 9 h 44 min
